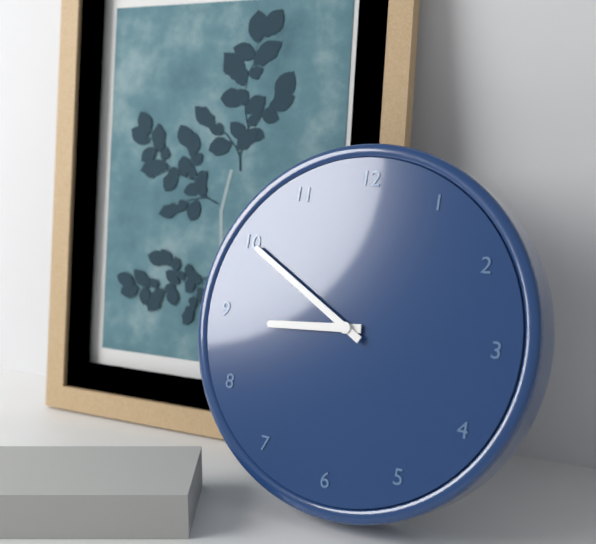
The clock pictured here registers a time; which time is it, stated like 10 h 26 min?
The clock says 8 h 50 min
